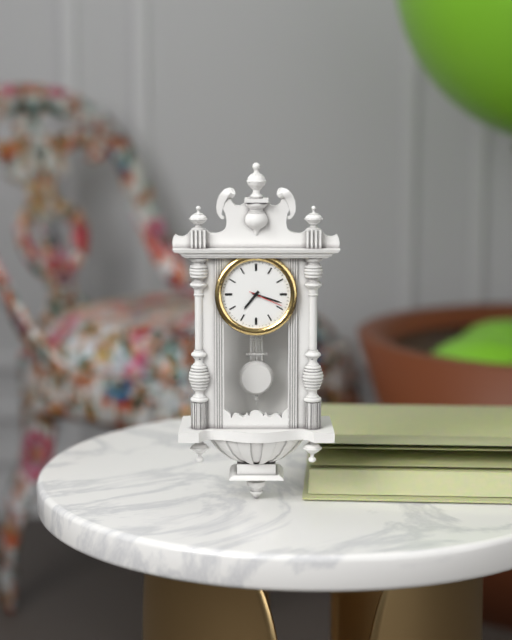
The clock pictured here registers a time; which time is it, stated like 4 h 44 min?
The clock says 7 h 18 min
